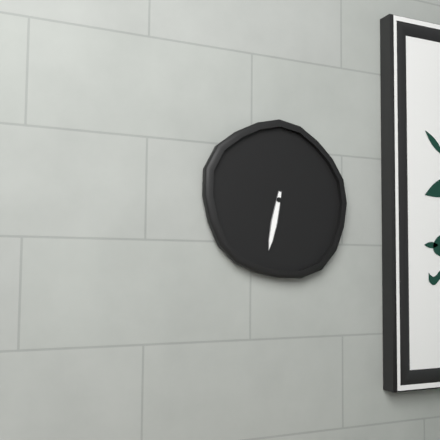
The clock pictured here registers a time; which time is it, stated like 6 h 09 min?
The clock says 6 h 32 min
